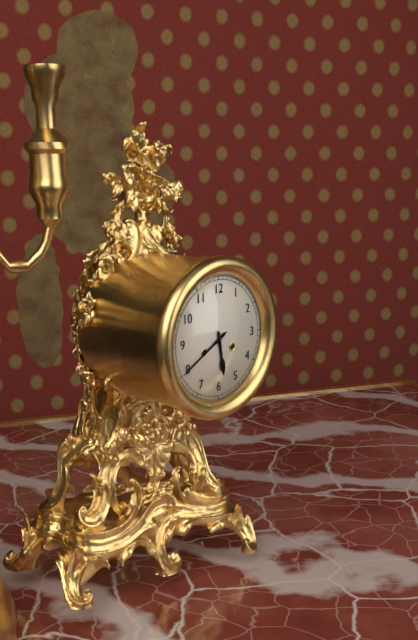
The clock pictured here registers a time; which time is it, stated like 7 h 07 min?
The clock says 5 h 40 min
